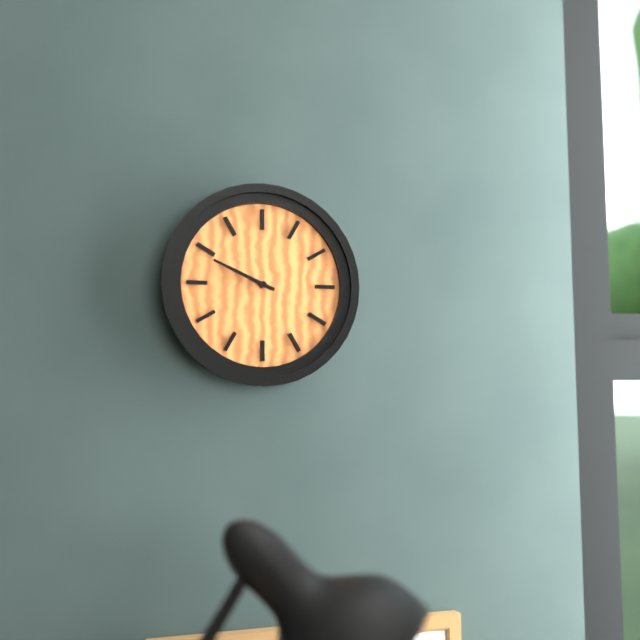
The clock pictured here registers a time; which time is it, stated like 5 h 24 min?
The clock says 9 h 49 min
